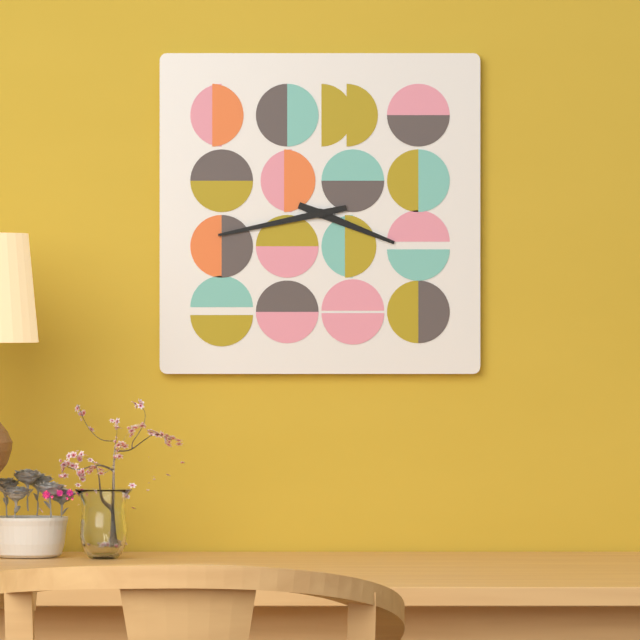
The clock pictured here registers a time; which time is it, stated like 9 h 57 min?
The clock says 3 h 43 min
